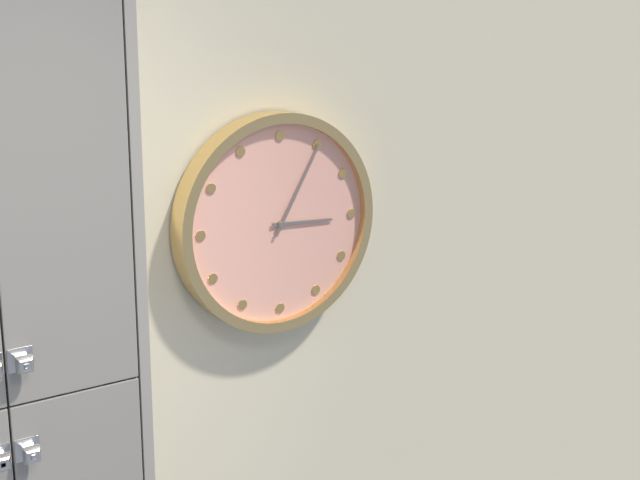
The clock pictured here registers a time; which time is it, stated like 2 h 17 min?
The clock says 3 h 05 min
